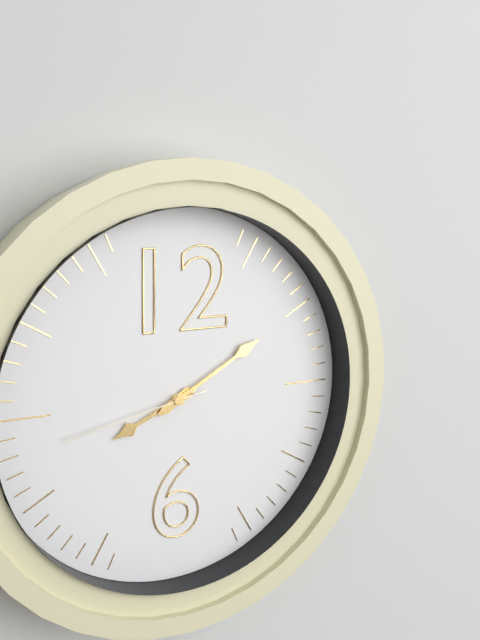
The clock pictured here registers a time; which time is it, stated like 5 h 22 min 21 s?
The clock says 8 h 10 min 43 s
